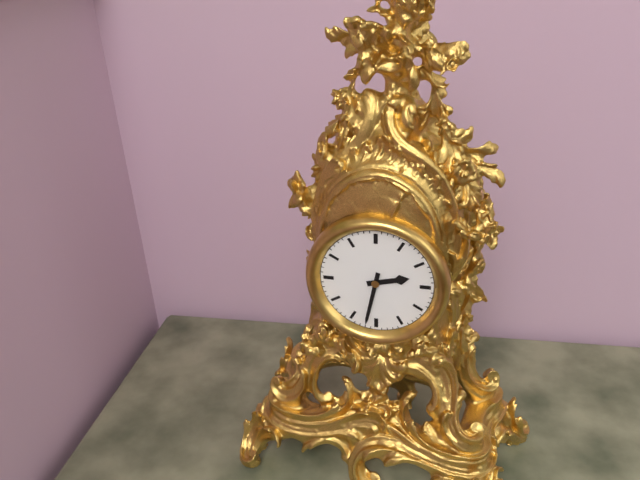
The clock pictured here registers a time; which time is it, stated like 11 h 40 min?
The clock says 2 h 32 min
